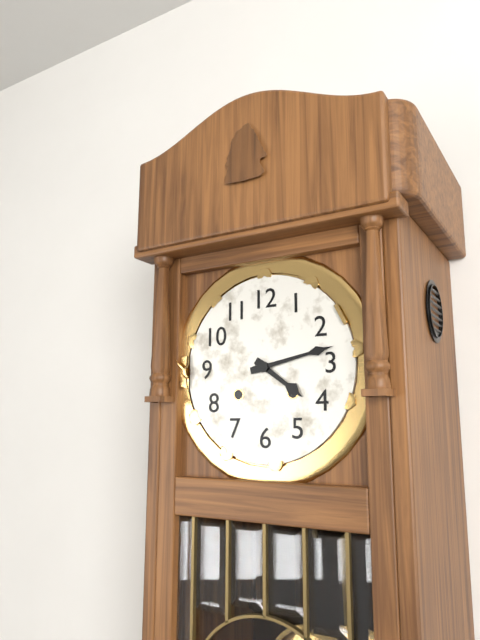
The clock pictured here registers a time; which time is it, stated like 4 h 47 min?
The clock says 4 h 13 min
